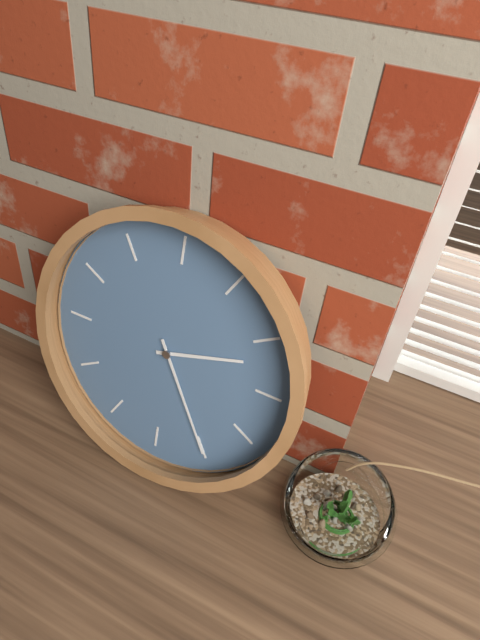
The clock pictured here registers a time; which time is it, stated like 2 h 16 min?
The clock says 2 h 25 min
